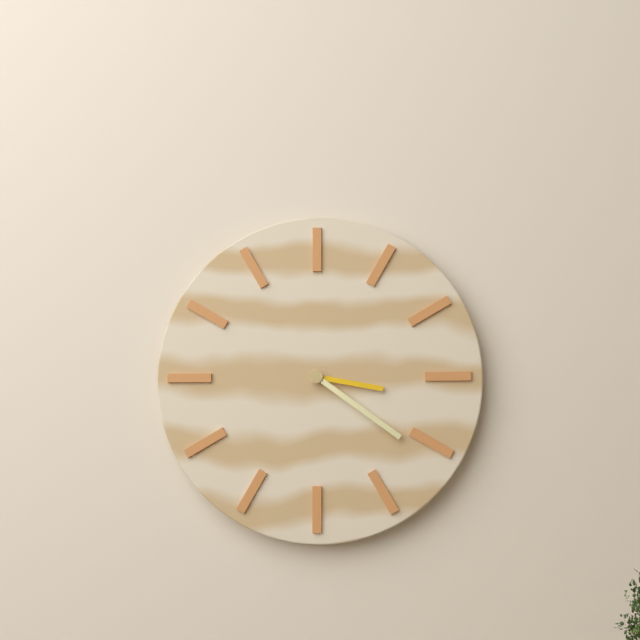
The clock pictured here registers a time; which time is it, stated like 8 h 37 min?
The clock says 3 h 21 min
